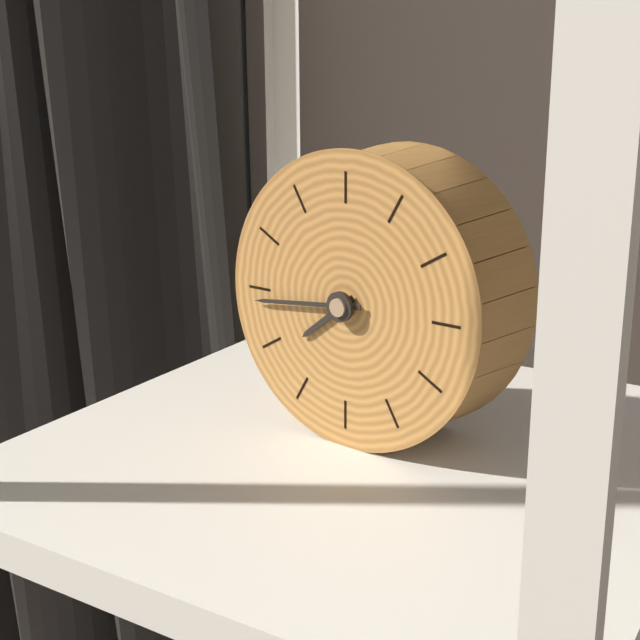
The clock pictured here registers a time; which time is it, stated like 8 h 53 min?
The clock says 7 h 44 min
